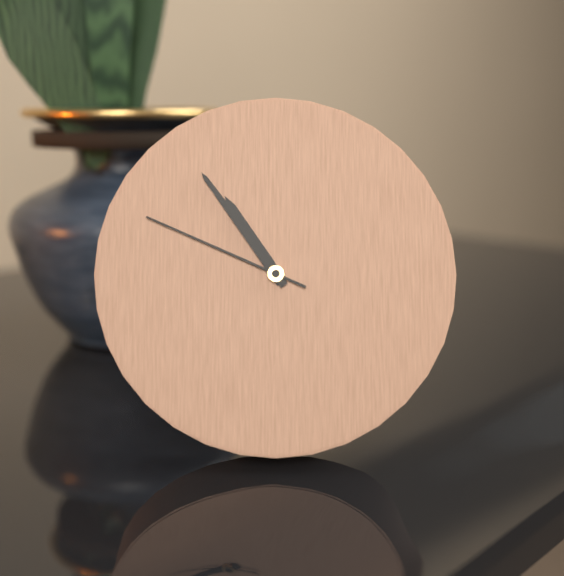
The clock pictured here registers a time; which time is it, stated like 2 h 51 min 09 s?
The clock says 10 h 54 min 49 s
